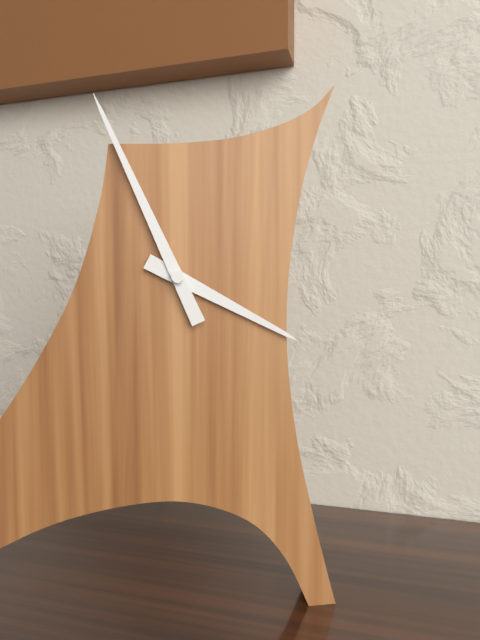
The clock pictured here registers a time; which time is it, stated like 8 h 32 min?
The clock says 3 h 56 min
